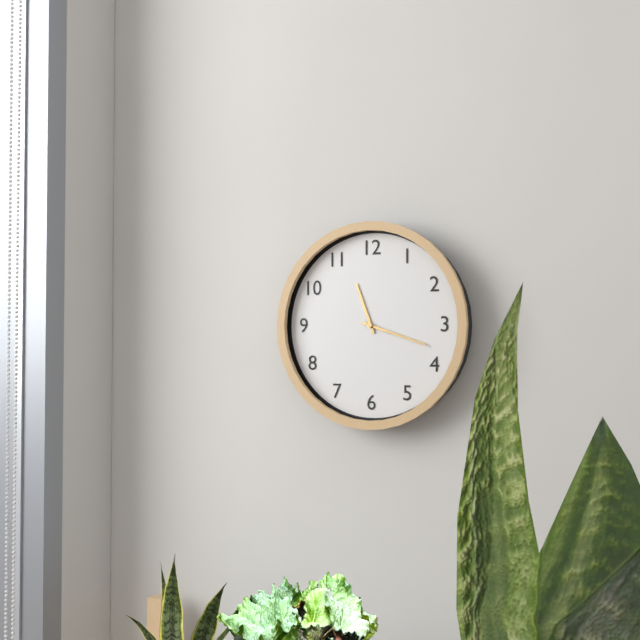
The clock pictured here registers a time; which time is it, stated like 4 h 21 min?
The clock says 11 h 18 min
